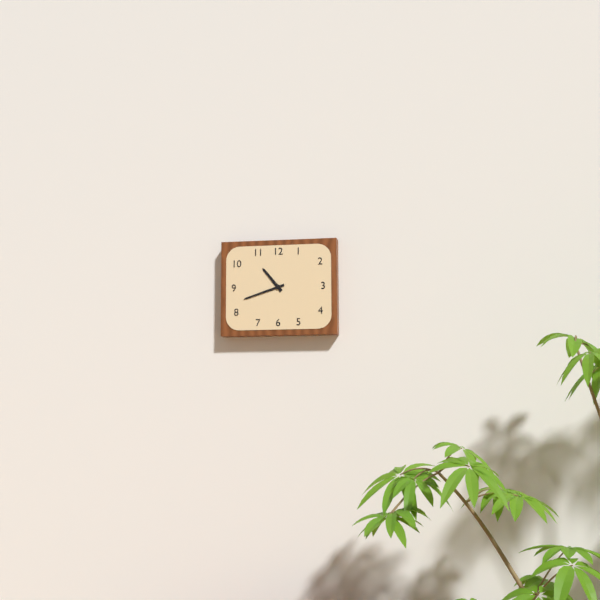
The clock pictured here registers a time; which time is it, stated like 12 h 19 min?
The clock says 10 h 42 min
